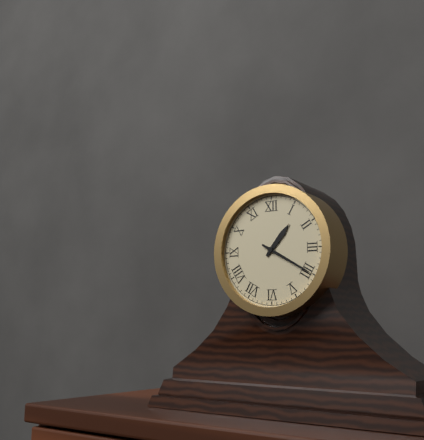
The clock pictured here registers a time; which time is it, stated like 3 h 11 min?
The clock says 1 h 20 min
